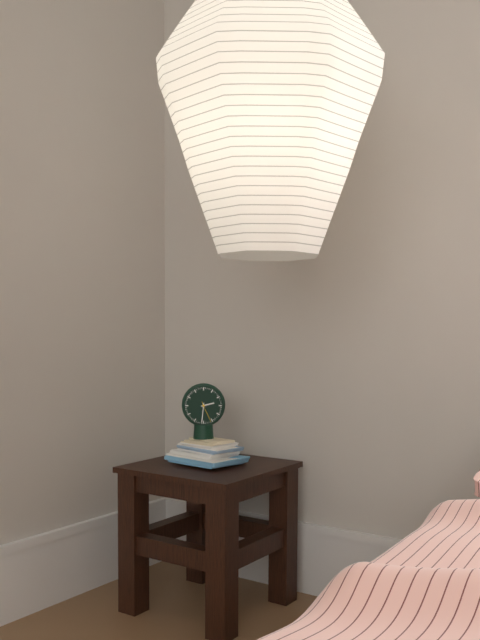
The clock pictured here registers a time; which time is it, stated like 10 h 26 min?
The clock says 2 h 31 min
